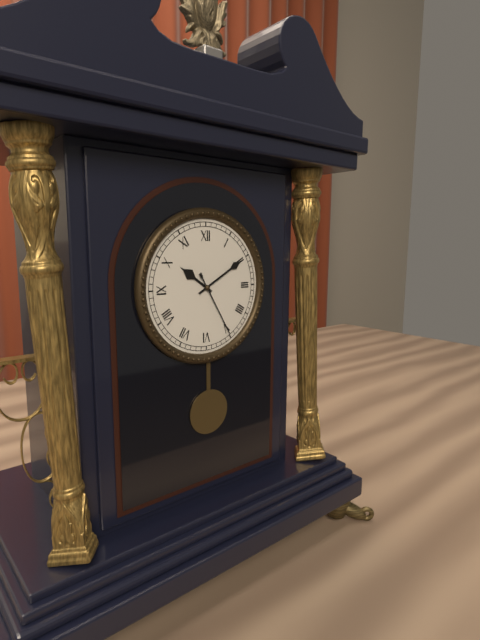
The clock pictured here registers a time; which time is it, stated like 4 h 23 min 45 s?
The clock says 10 h 10 min 25 s
